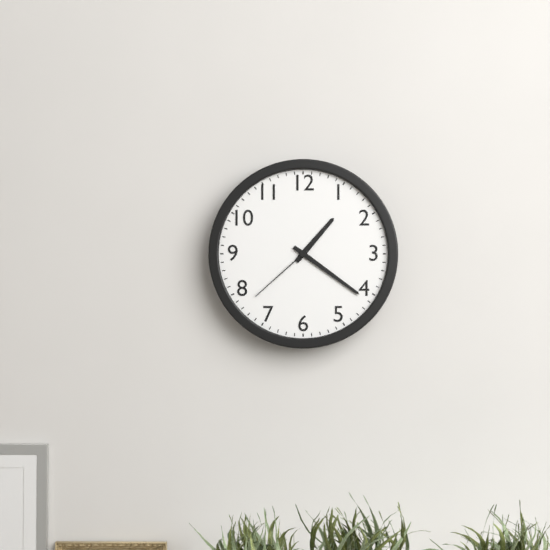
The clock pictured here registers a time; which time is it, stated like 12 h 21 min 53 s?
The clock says 1 h 21 min 38 s
